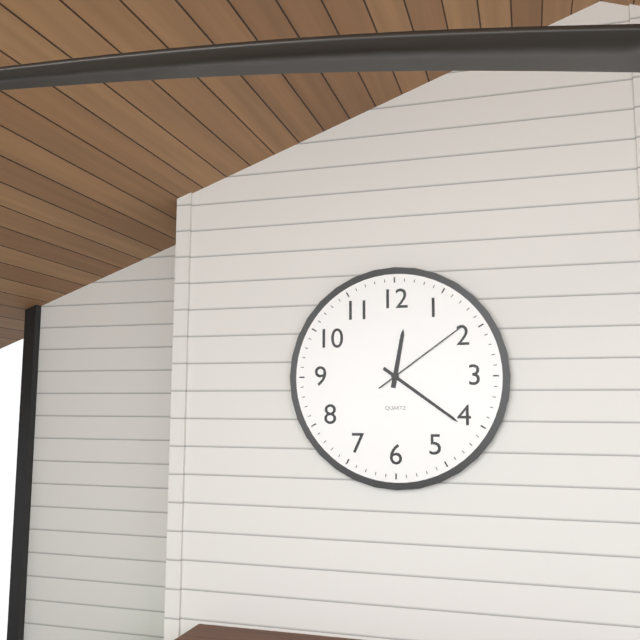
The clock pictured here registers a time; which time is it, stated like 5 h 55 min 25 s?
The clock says 12 h 21 min 09 s
